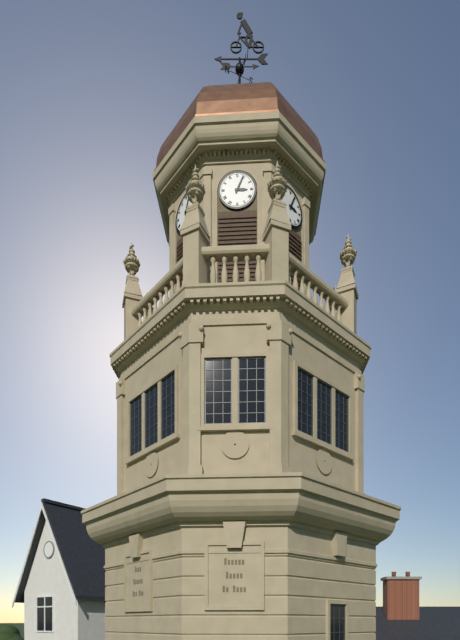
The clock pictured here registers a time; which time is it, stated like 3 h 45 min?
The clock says 3 h 04 min
